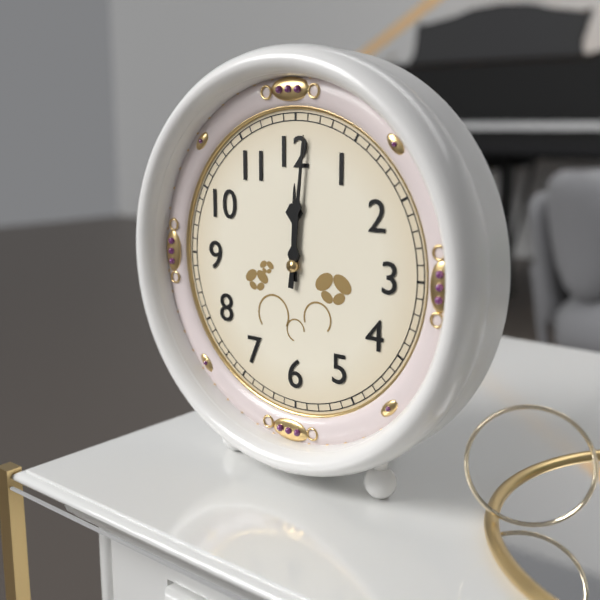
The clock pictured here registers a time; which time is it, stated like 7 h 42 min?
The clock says 12 h 01 min
